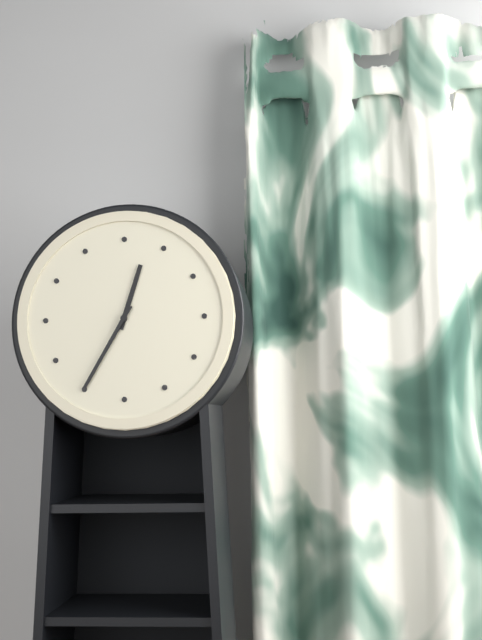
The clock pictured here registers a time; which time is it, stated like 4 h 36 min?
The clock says 12 h 35 min
